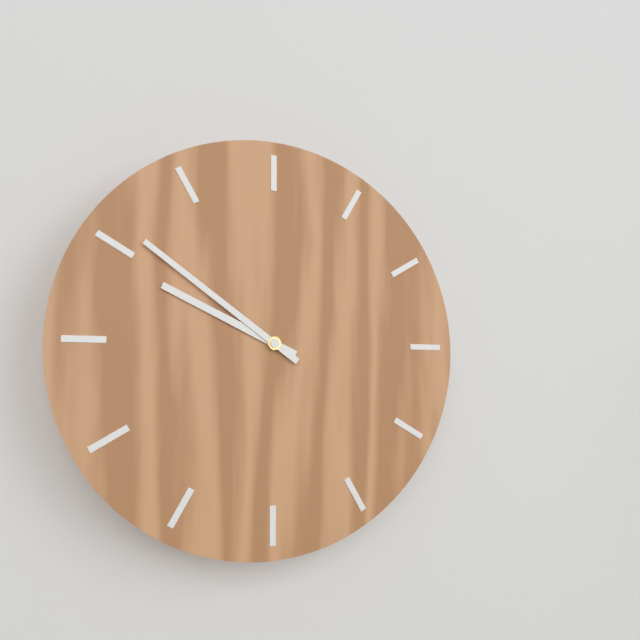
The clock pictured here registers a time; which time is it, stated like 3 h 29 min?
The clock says 9 h 51 min
